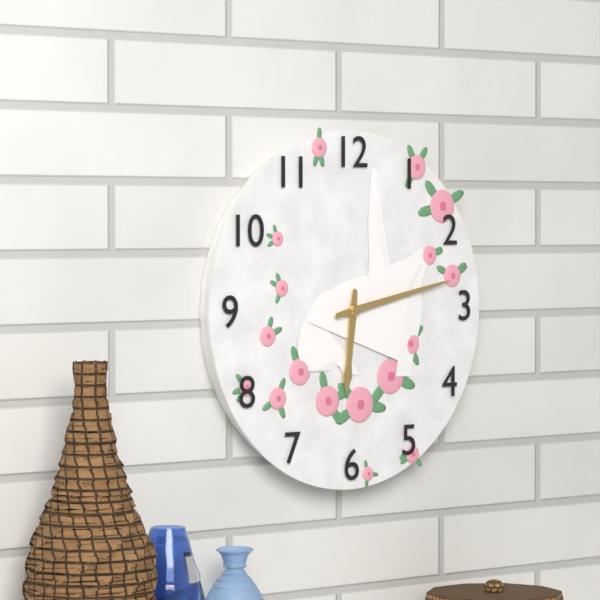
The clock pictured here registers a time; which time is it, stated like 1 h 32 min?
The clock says 6 h 13 min
